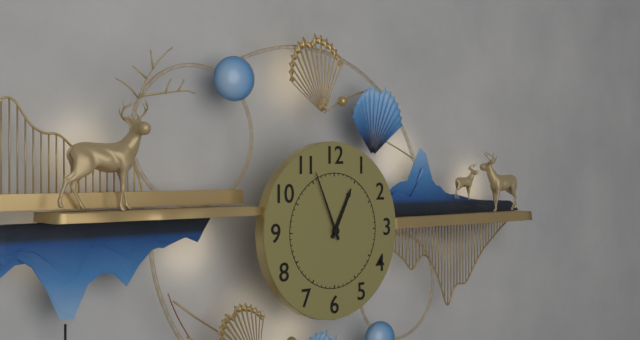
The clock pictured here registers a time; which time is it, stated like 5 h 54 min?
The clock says 12 h 56 min
